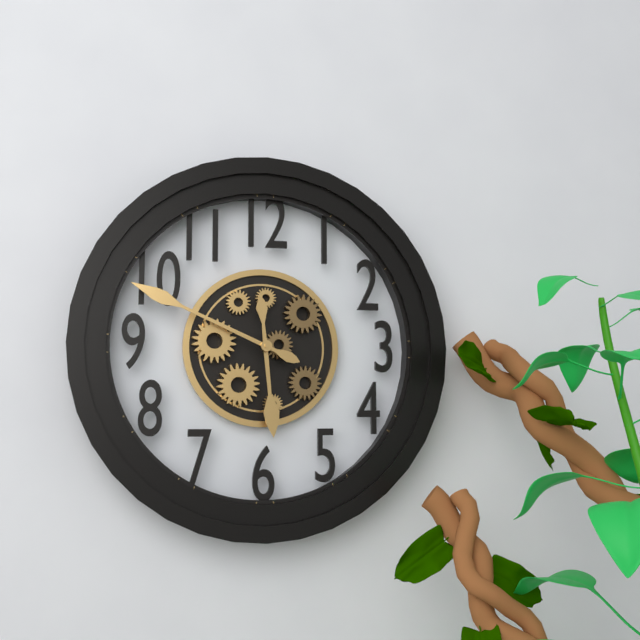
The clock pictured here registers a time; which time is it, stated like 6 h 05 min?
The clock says 5 h 49 min
